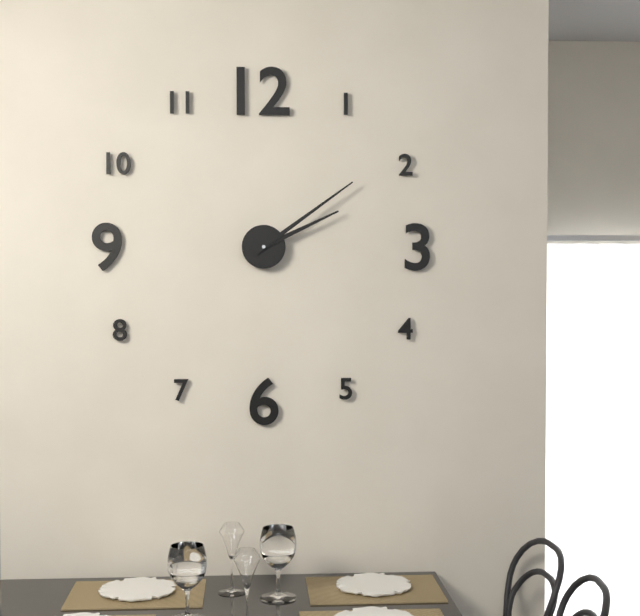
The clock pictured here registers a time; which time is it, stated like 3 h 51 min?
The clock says 2 h 09 min
